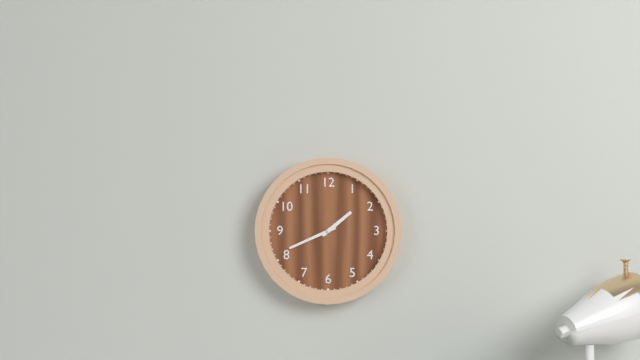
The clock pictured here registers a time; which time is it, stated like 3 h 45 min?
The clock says 1 h 41 min
